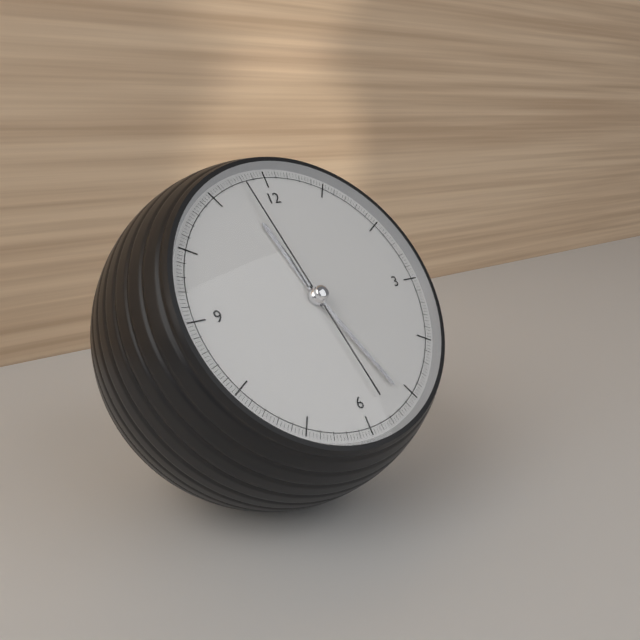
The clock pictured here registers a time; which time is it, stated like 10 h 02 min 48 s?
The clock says 11 h 26 min 58 s
